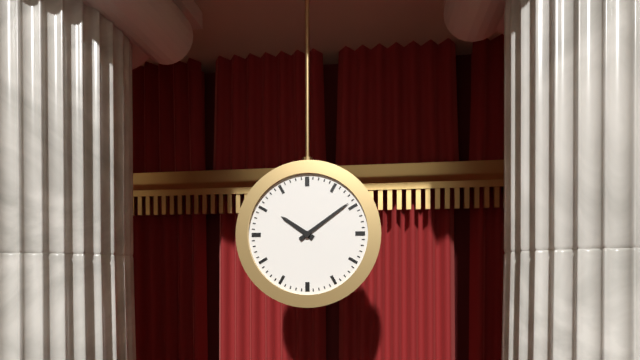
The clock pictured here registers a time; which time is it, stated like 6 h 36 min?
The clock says 10 h 09 min
